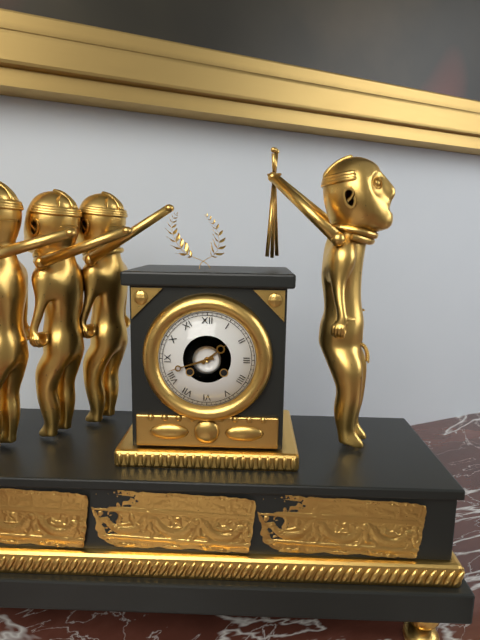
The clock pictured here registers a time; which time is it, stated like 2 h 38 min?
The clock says 1 h 42 min
